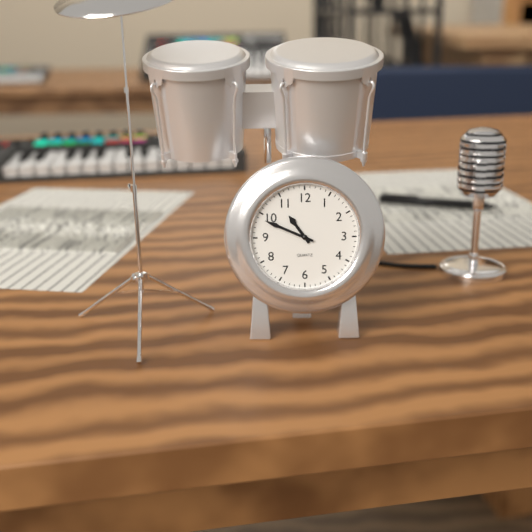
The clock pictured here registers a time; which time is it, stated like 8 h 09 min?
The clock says 10 h 49 min
